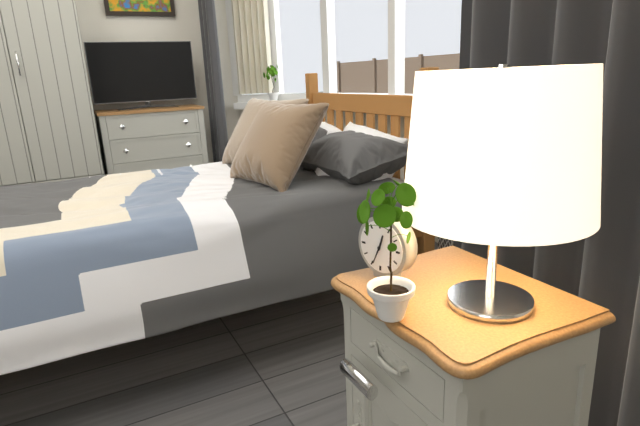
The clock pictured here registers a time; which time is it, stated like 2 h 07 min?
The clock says 12 h 34 min
